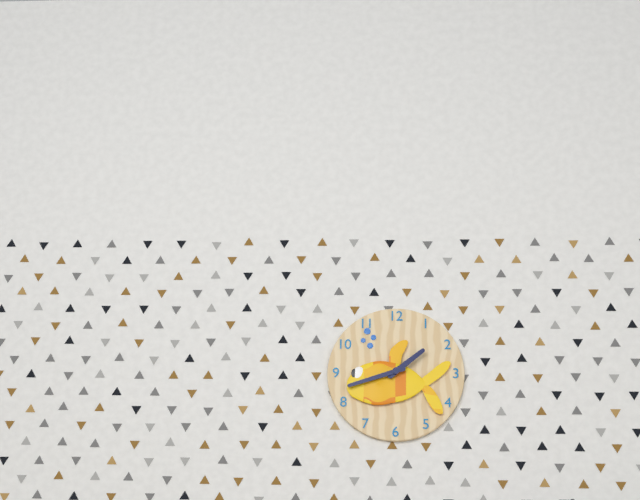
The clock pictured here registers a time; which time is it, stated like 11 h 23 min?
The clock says 1 h 42 min
